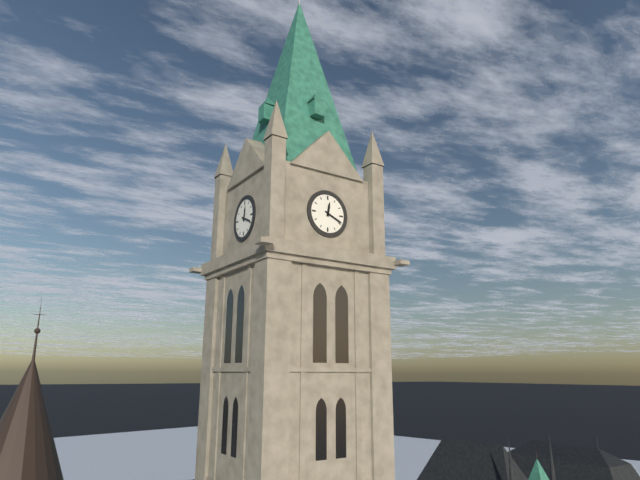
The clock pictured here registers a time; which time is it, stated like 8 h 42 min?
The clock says 12 h 19 min
